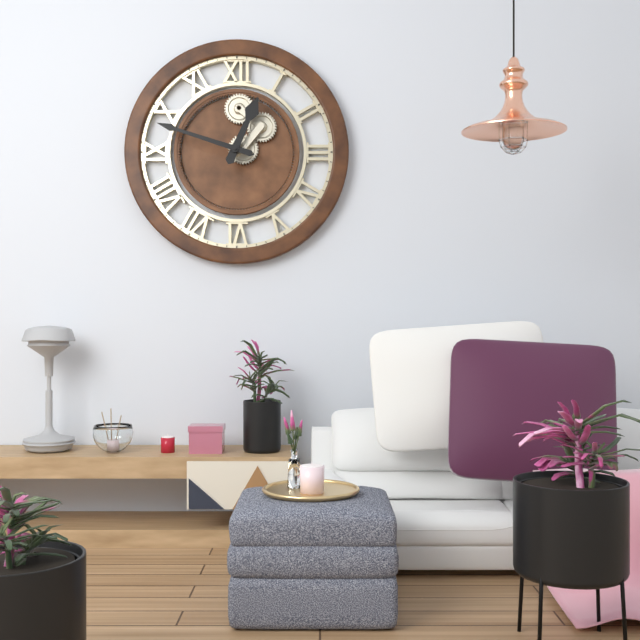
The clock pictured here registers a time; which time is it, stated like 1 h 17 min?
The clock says 12 h 48 min
